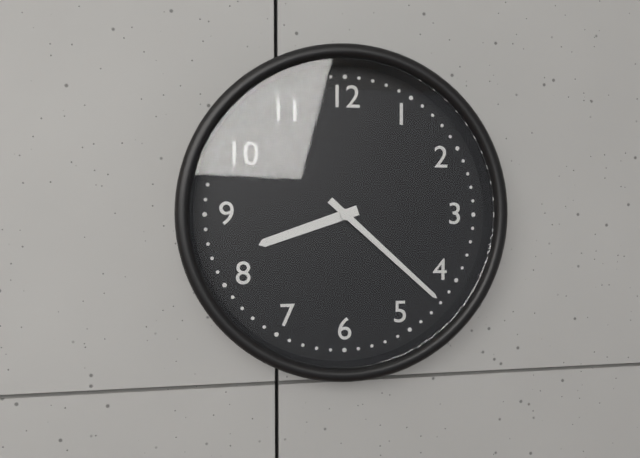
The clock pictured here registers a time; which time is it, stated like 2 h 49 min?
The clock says 8 h 22 min
